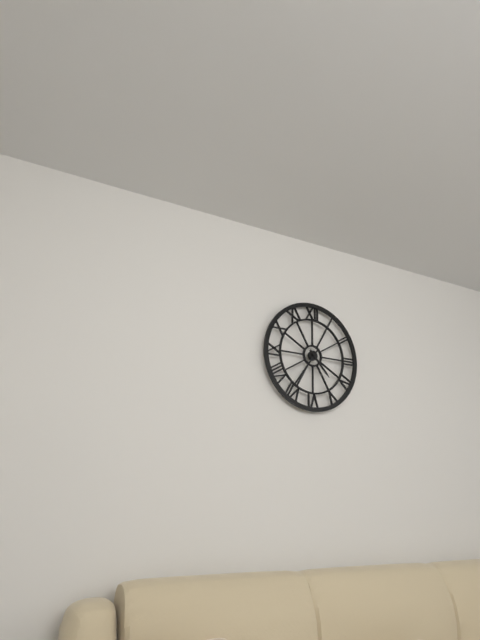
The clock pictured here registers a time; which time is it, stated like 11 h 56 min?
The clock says 4 h 36 min
